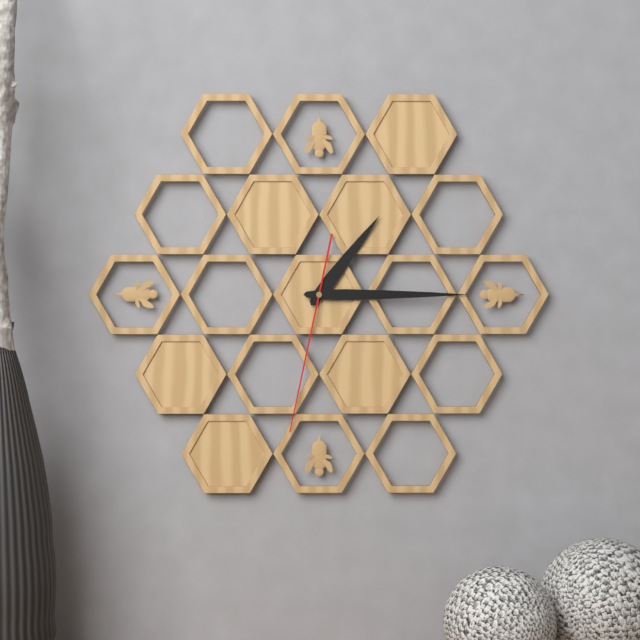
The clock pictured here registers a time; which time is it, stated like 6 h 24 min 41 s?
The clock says 1 h 15 min 32 s
